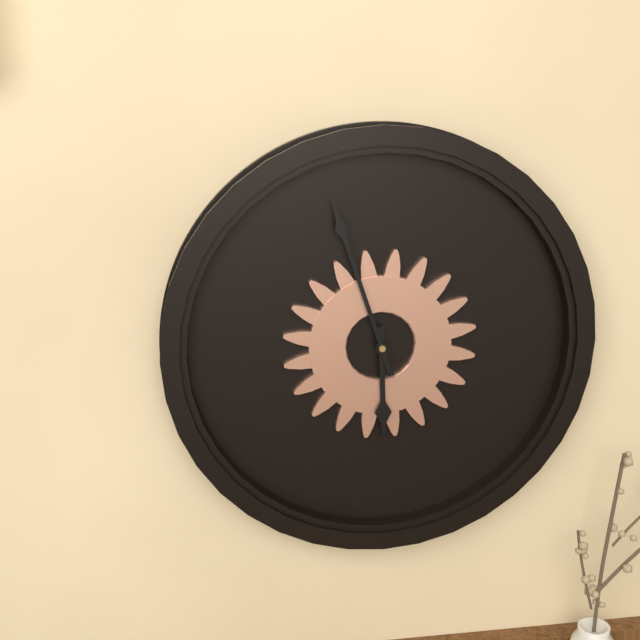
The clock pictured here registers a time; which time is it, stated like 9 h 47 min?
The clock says 5 h 57 min
